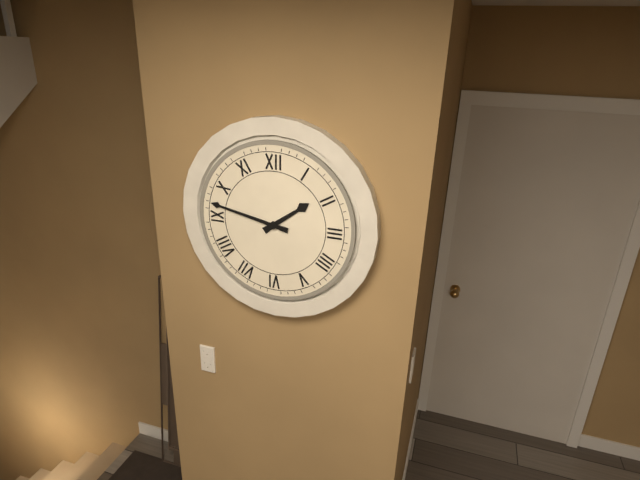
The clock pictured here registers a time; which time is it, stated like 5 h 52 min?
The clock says 1 h 47 min
